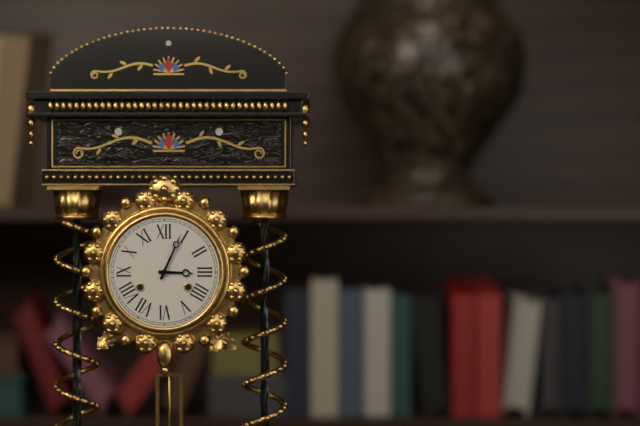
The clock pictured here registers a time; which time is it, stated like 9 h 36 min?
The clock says 3 h 04 min
